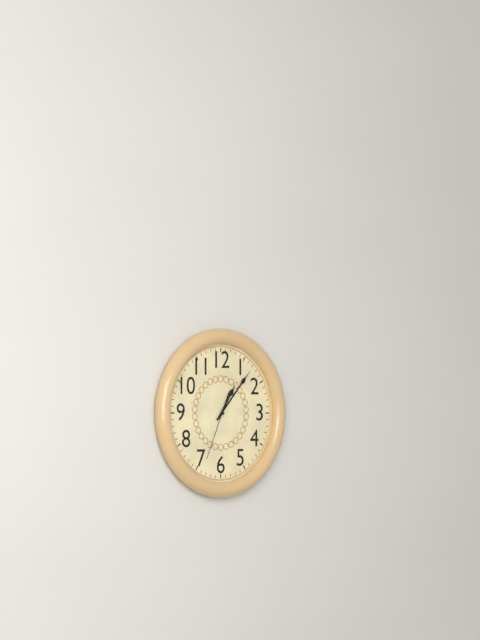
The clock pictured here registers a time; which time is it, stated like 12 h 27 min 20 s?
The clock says 1 h 07 min 34 s
